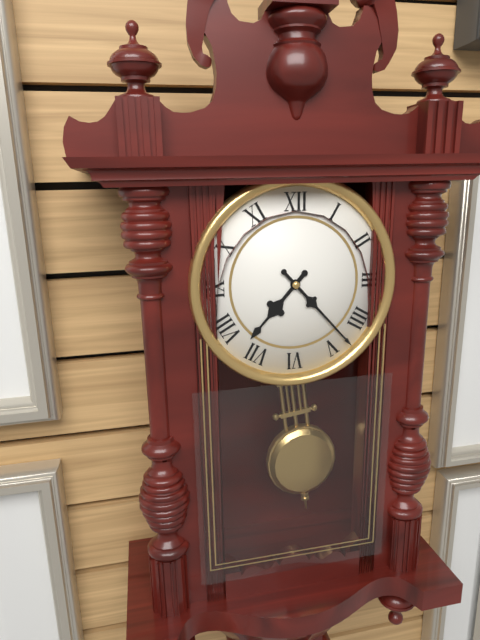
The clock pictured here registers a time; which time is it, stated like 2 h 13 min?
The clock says 7 h 23 min
